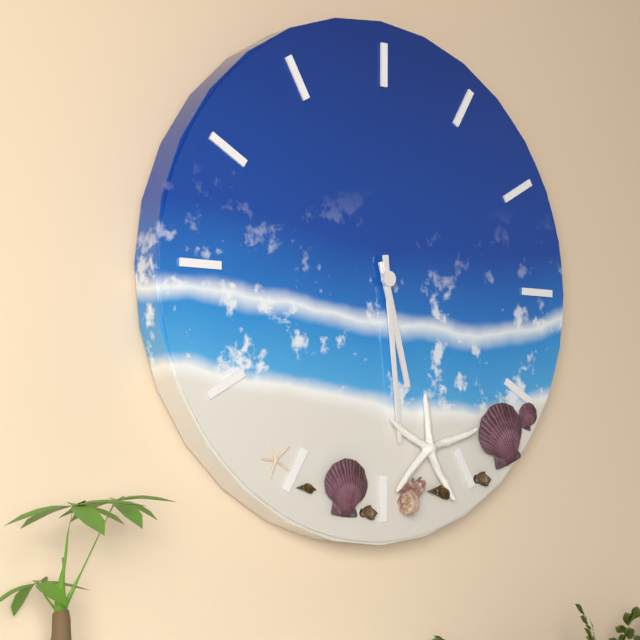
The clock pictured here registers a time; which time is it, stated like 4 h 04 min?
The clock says 5 h 29 min
